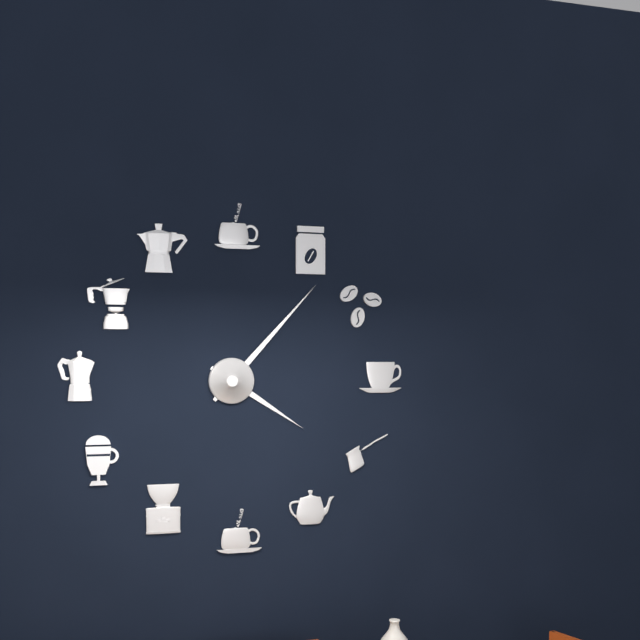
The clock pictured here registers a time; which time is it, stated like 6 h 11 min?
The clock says 4 h 07 min
